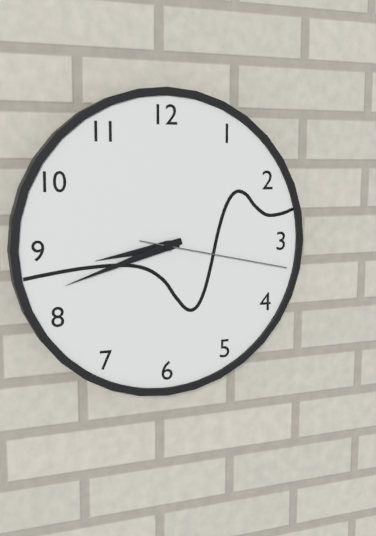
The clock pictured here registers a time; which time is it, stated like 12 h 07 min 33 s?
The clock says 8 h 42 min 17 s
